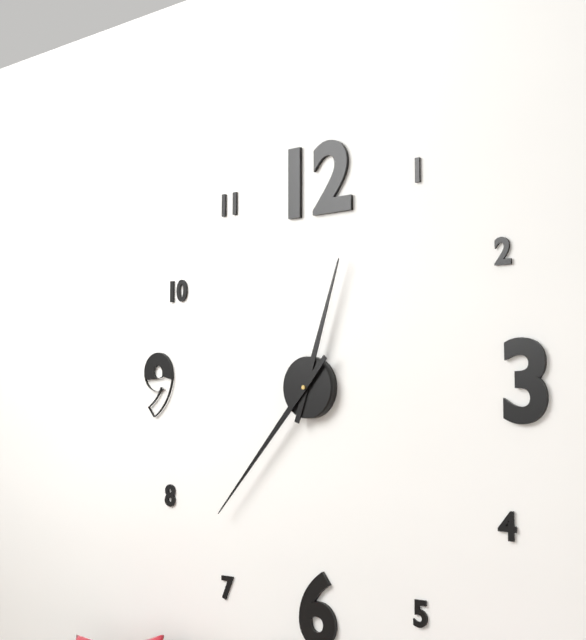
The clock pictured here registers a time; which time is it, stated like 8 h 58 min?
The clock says 12 h 37 min
